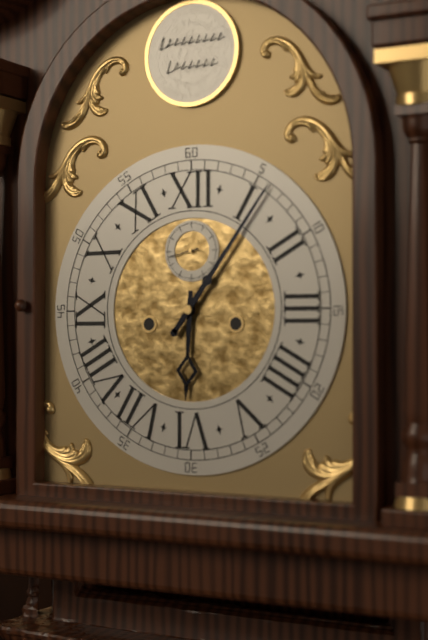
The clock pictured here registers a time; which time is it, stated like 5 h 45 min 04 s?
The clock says 6 h 06 min 43 s
